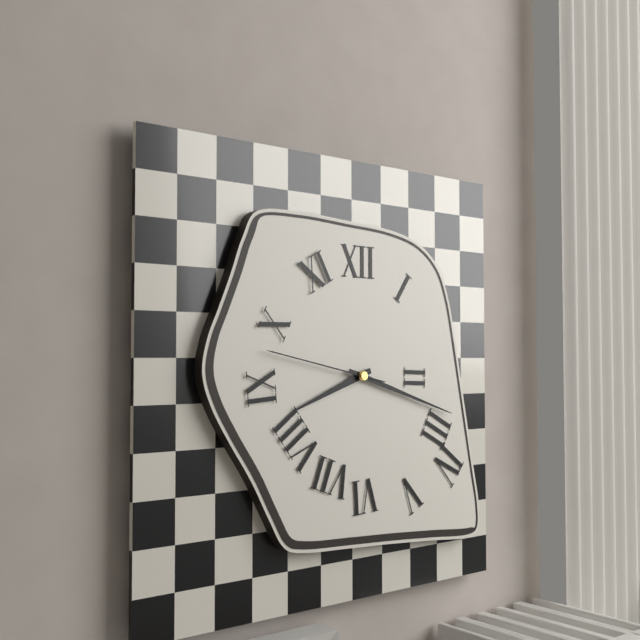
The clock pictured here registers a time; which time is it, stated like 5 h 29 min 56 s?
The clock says 8 h 18 min 47 s
